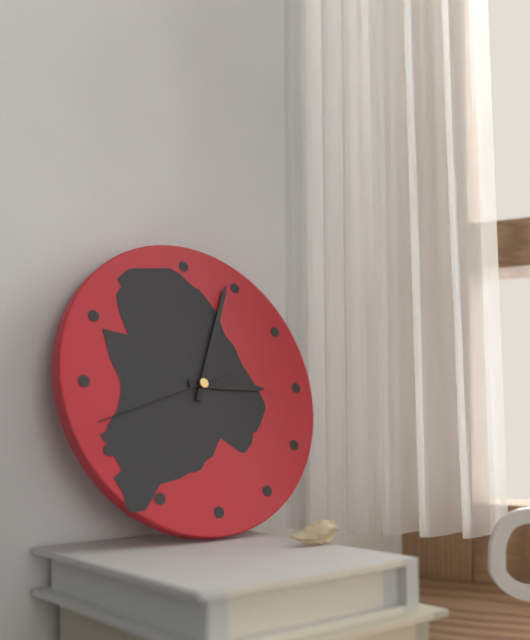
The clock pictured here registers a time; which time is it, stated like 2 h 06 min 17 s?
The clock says 3 h 04 min 42 s
